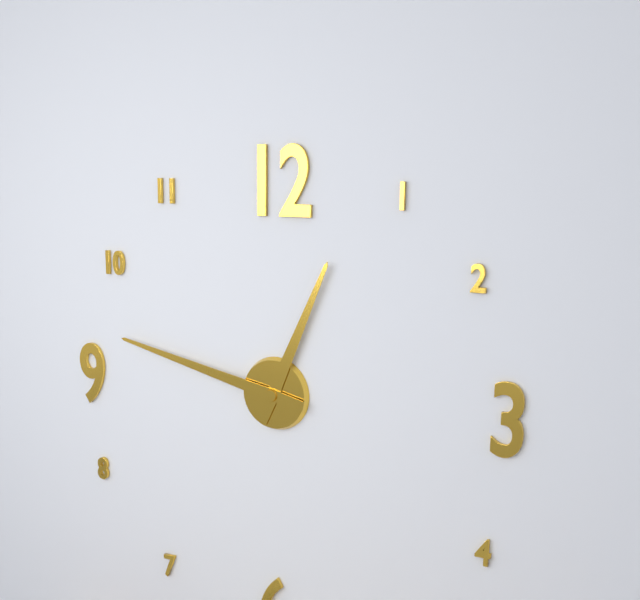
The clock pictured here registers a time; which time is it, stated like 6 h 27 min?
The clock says 12 h 47 min
